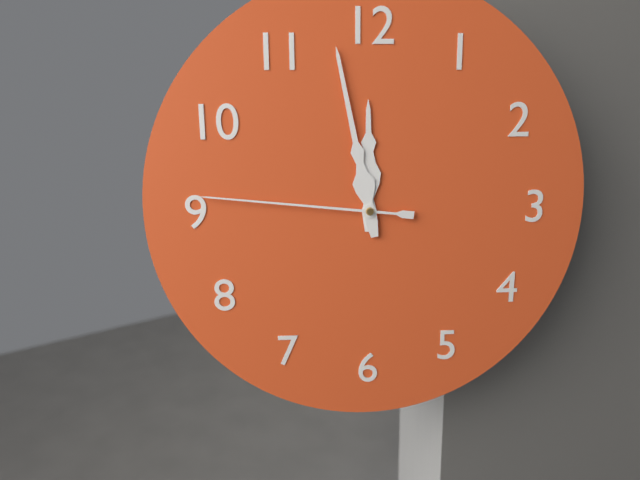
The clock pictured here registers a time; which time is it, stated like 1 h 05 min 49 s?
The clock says 11 h 58 min 46 s
